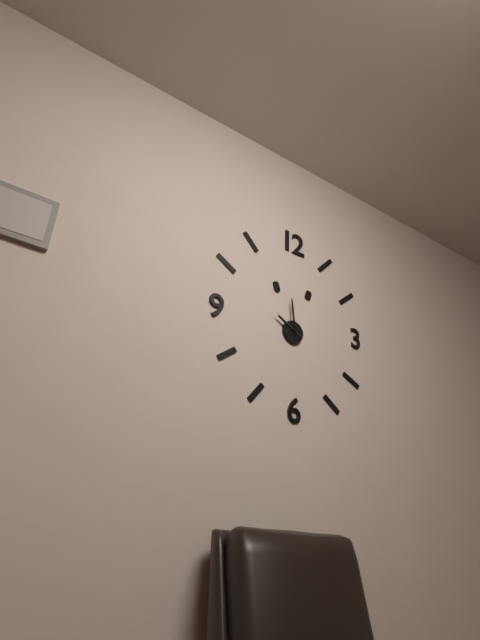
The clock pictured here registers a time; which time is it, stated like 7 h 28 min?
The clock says 9 h 59 min
